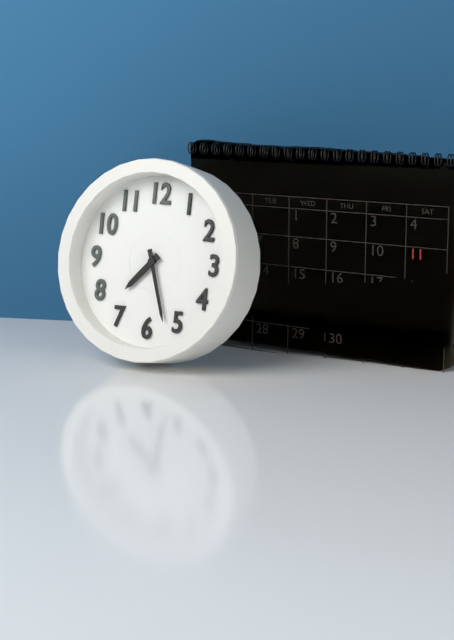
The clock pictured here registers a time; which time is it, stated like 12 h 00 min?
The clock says 7 h 27 min
